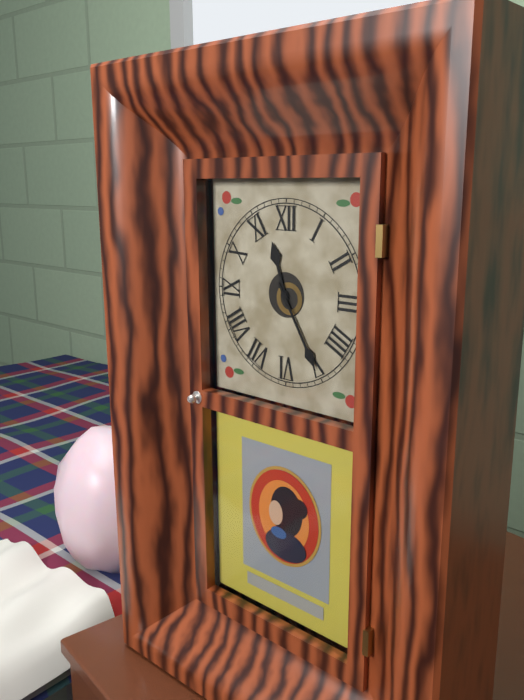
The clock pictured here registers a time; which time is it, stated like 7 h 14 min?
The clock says 11 h 25 min
